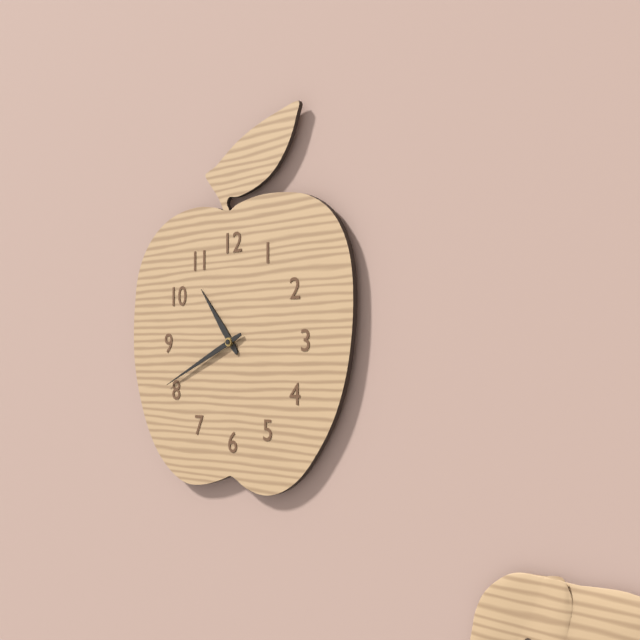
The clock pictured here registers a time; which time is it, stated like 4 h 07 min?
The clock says 10 h 41 min
